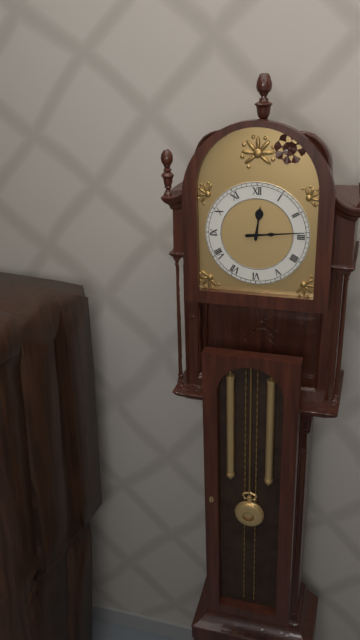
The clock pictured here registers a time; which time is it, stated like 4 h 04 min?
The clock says 12 h 14 min
